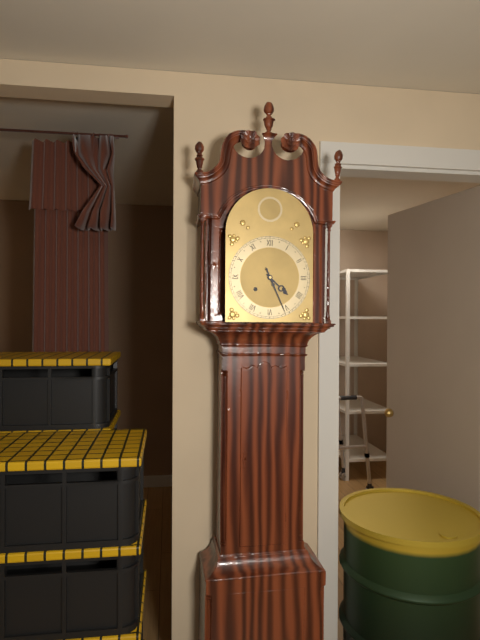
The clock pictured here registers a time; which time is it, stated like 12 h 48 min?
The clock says 4 h 26 min
